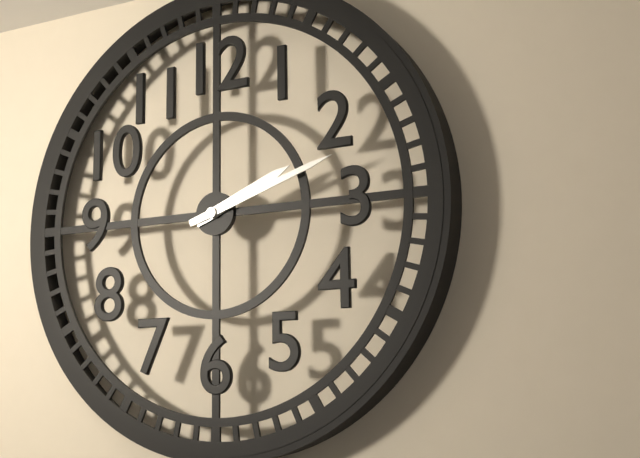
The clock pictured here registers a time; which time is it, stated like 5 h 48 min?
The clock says 2 h 12 min
